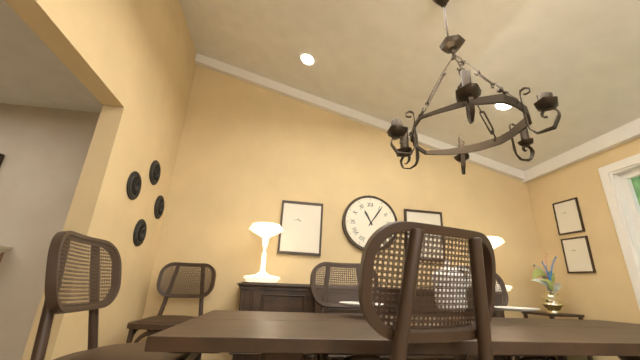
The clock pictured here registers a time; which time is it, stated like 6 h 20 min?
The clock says 11 h 06 min
